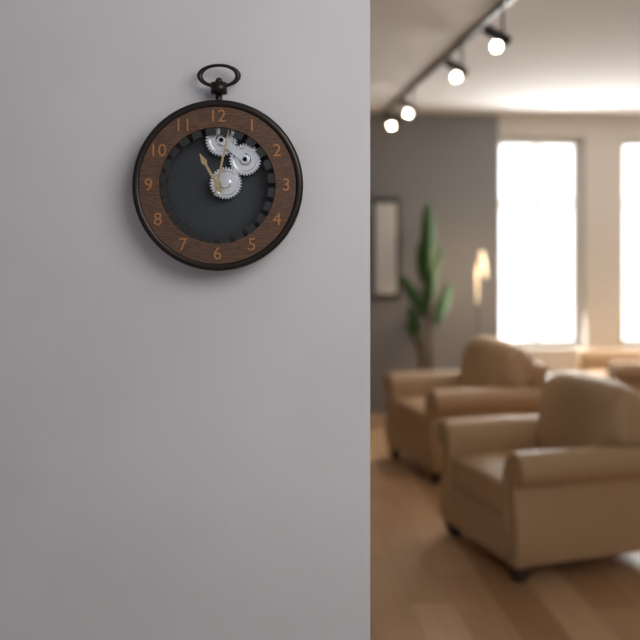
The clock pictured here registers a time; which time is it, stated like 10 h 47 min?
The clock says 11 h 02 min
